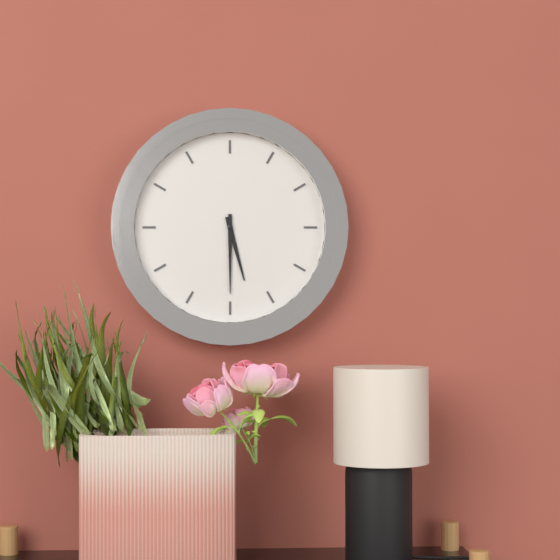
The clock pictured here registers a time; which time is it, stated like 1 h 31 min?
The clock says 5 h 30 min
